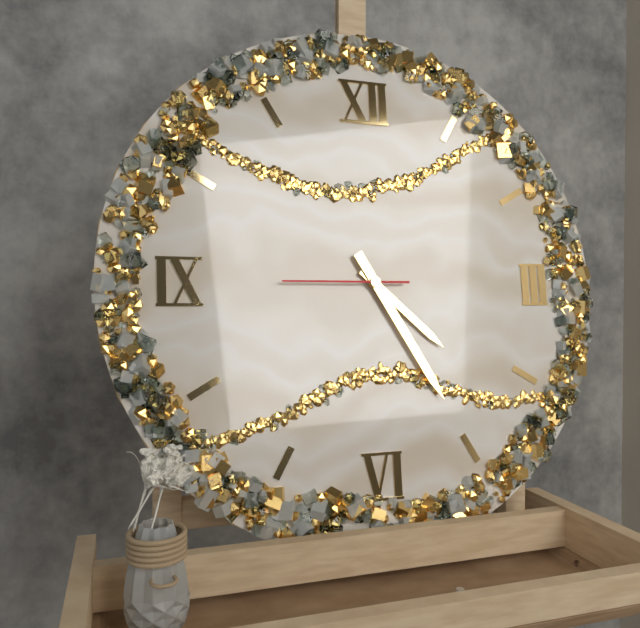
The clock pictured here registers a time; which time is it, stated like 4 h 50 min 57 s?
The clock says 4 h 25 min 45 s
